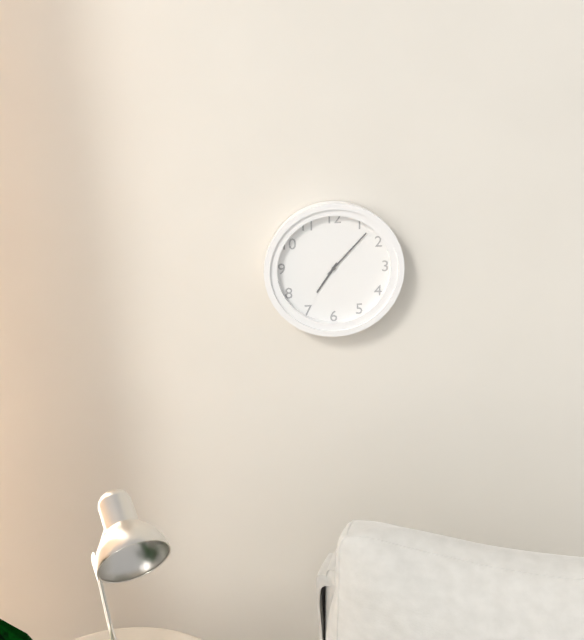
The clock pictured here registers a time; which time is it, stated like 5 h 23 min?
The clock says 7 h 07 min
